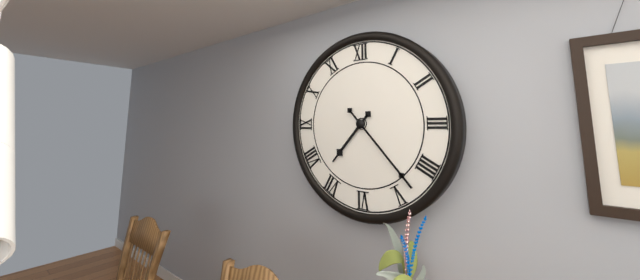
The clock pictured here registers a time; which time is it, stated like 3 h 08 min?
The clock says 7 h 23 min
